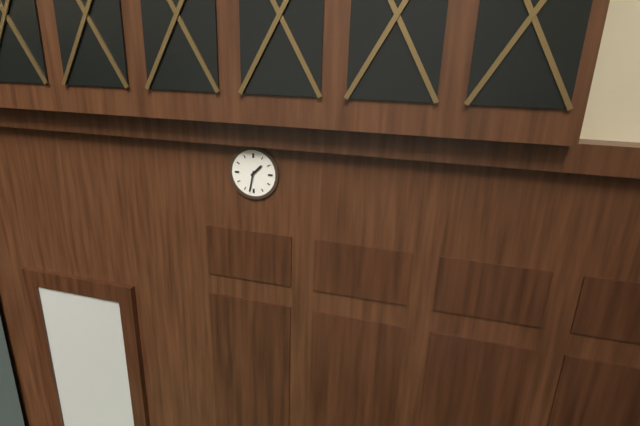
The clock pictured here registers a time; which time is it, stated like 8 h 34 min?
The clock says 1 h 32 min
